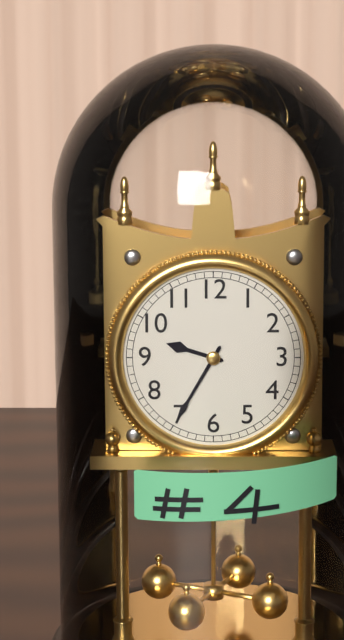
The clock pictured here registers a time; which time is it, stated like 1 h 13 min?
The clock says 9 h 35 min
